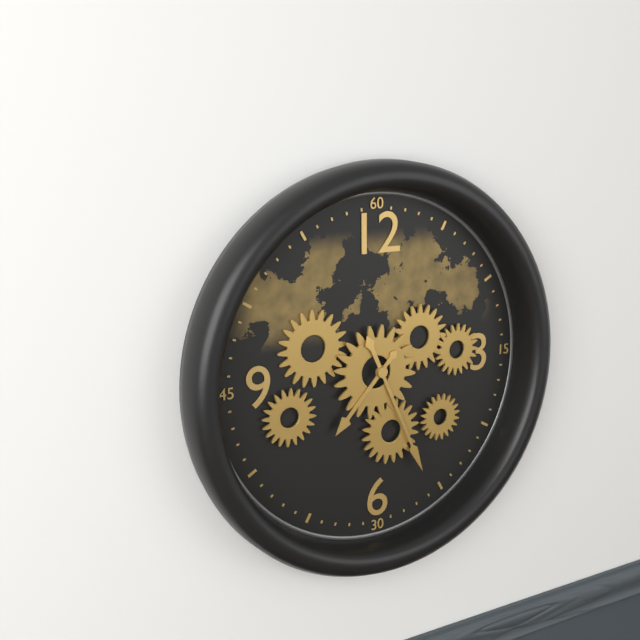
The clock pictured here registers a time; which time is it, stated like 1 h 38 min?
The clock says 7 h 26 min
